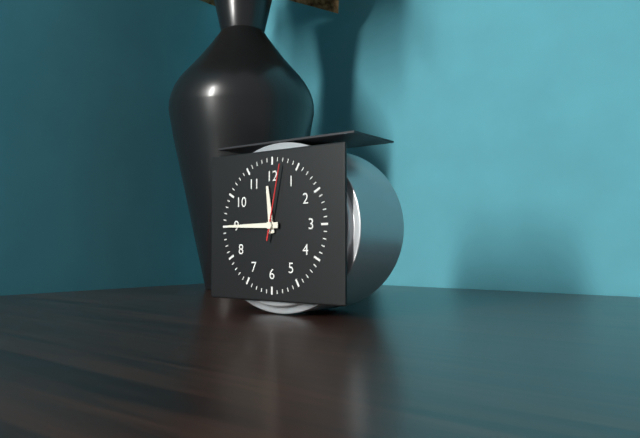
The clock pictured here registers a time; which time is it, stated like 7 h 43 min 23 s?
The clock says 11 h 45 min 02 s
